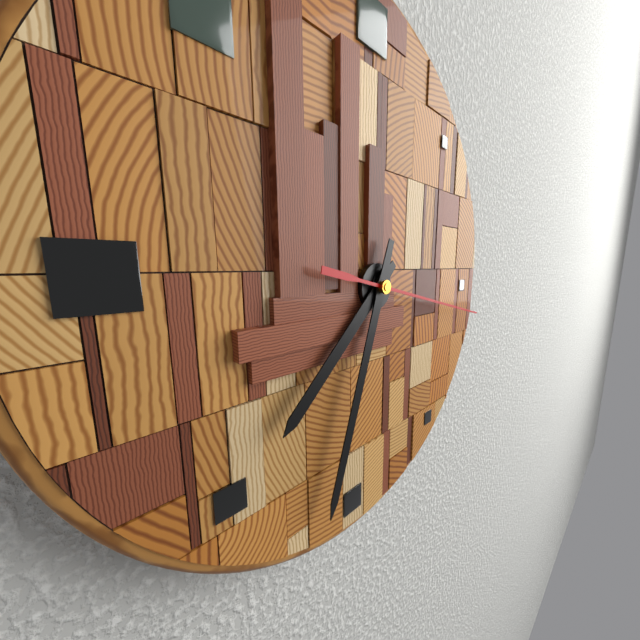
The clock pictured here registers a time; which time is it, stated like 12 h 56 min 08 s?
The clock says 7 h 33 min 17 s
